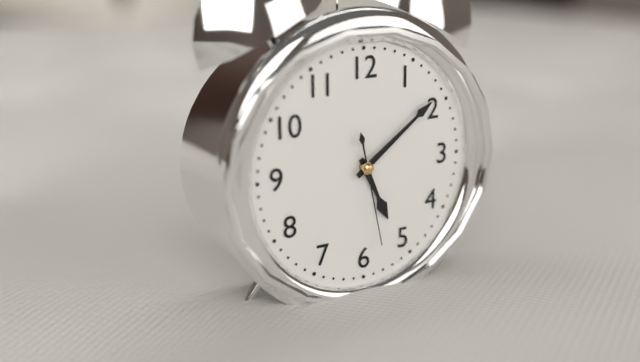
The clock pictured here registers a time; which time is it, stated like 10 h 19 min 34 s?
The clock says 5 h 09 min 28 s
